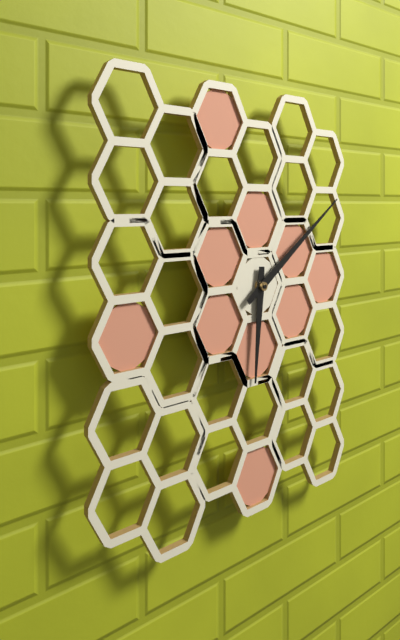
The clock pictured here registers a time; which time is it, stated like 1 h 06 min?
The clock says 6 h 09 min
